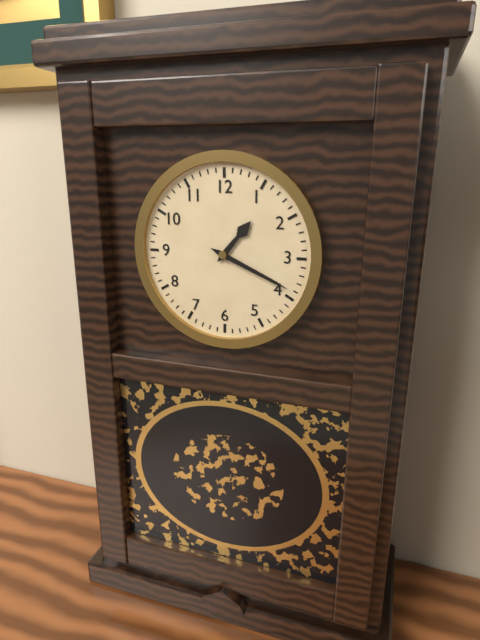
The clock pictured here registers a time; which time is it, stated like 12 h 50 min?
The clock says 1 h 19 min
